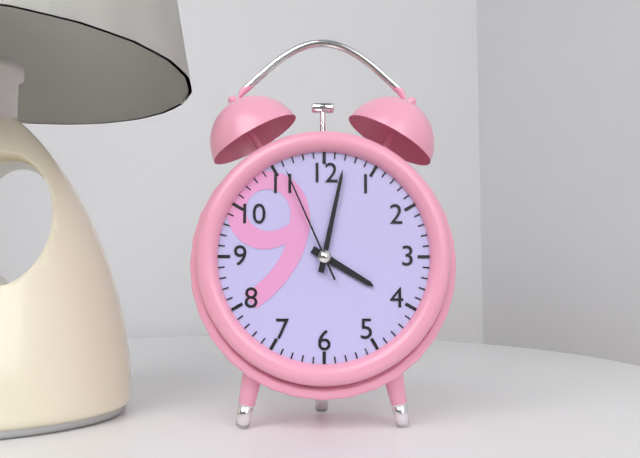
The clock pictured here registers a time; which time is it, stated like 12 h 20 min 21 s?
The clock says 4 h 02 min 56 s
